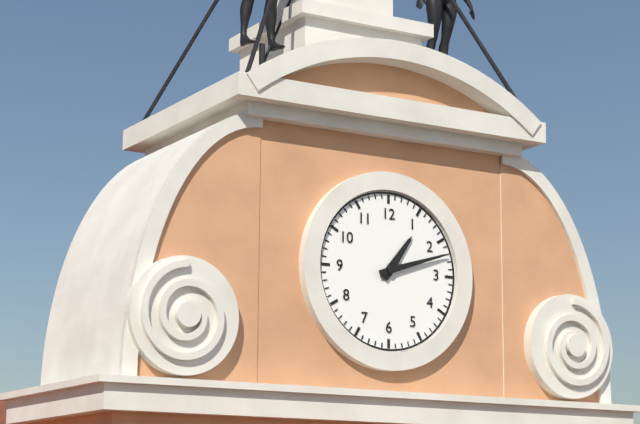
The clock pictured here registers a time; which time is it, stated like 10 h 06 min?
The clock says 1 h 12 min
